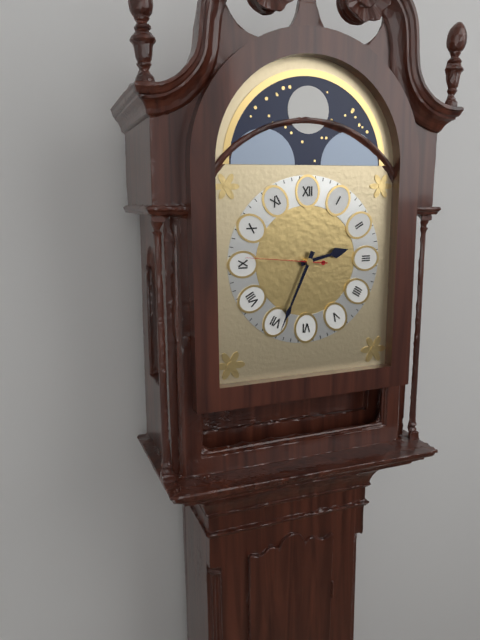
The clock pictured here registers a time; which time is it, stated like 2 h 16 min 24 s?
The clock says 2 h 34 min 46 s
